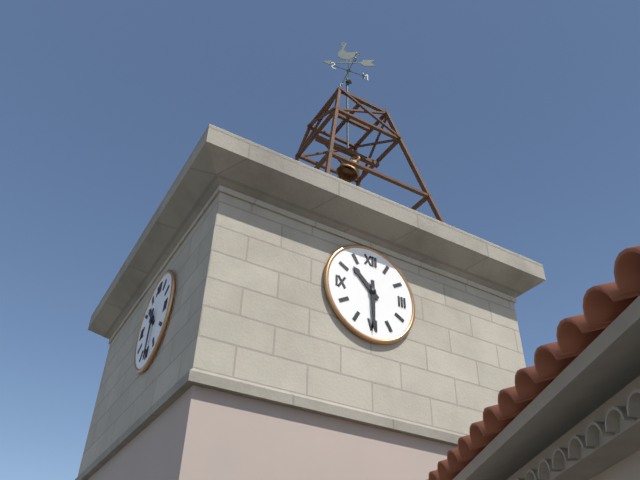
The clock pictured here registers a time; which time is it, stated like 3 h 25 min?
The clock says 10 h 30 min
